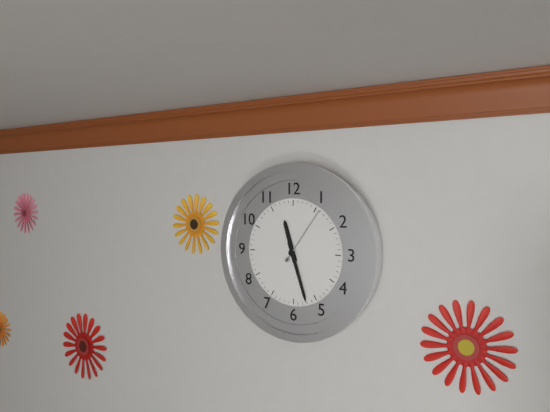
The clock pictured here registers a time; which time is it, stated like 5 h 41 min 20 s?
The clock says 11 h 27 min 06 s
